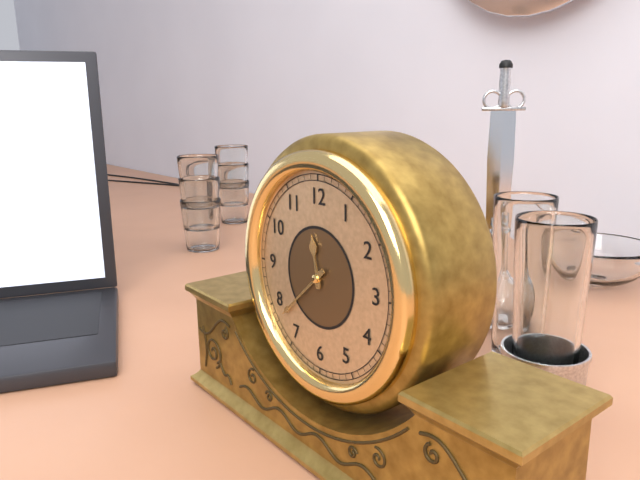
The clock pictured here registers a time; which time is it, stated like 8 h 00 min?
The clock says 11 h 38 min
